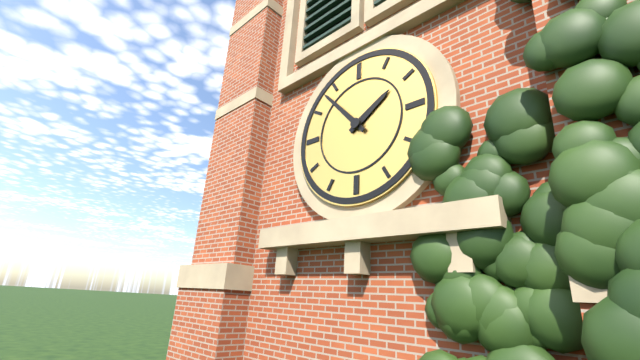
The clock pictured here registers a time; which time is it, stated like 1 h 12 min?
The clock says 1 h 53 min
